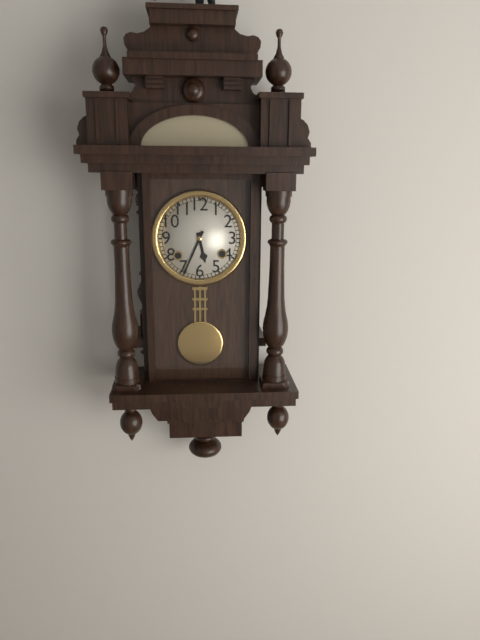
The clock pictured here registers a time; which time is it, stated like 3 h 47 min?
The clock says 5 h 34 min
